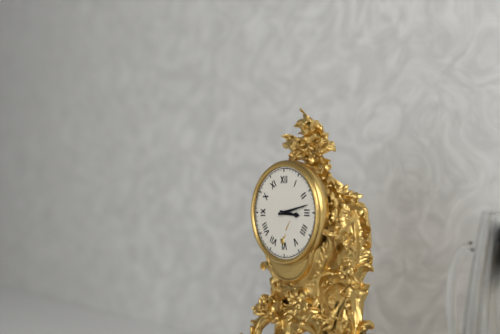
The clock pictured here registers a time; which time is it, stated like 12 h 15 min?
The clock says 3 h 13 min
